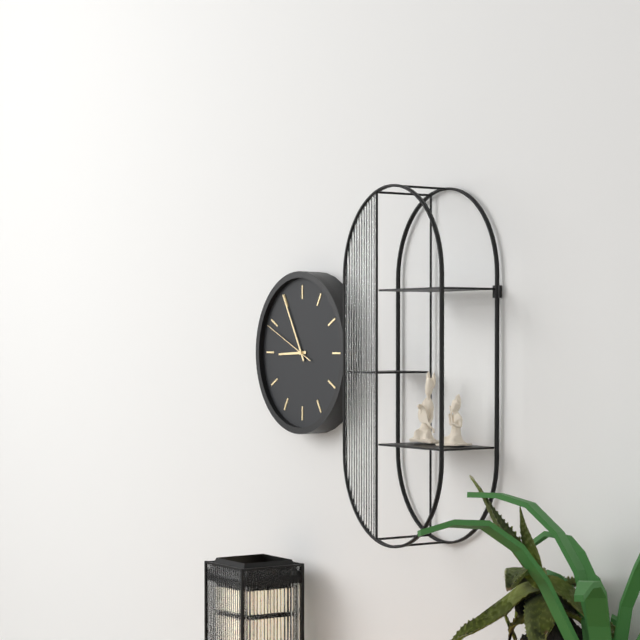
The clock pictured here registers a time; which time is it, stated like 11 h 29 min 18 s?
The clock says 8 h 55 min 49 s
